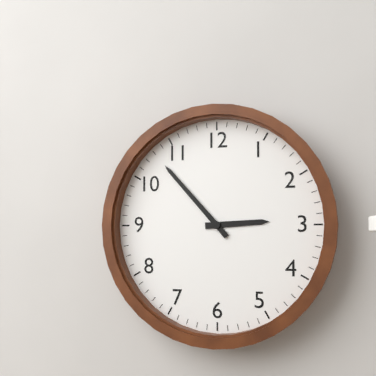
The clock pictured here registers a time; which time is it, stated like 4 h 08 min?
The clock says 2 h 53 min
